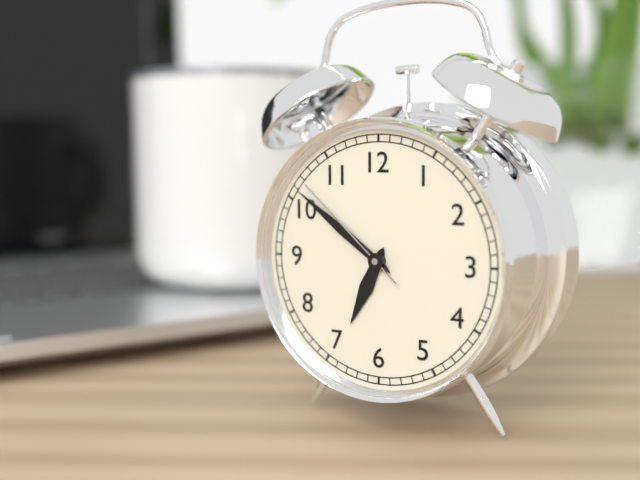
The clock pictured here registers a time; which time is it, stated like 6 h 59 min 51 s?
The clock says 6 h 51 min 52 s
